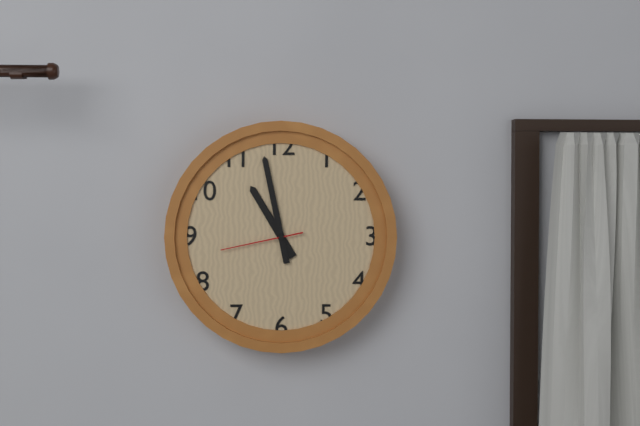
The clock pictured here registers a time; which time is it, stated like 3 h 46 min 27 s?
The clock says 10 h 58 min 43 s
